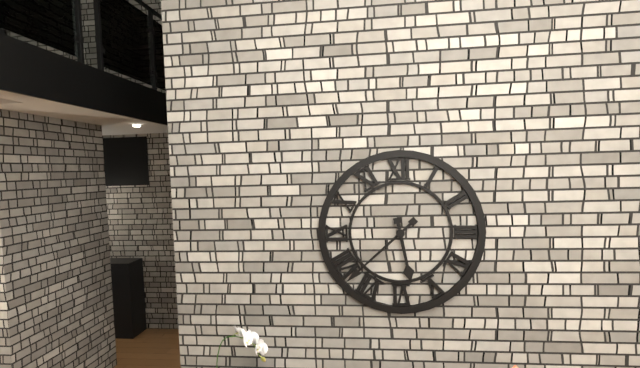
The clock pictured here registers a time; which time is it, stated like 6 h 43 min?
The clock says 5 h 38 min
